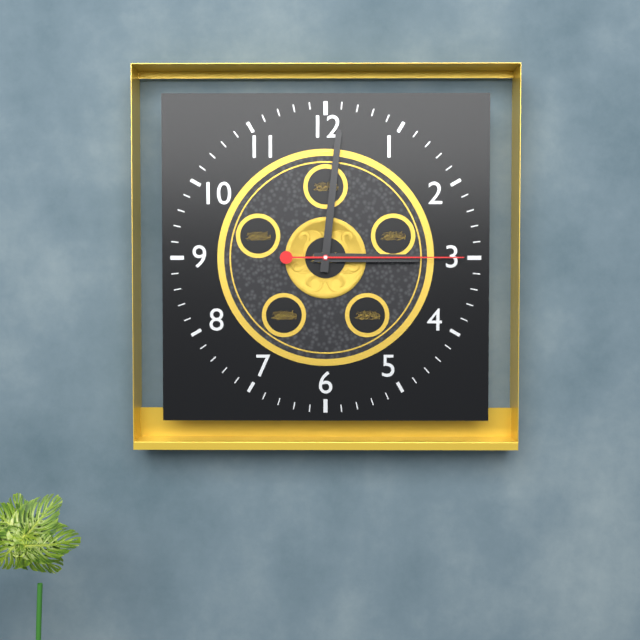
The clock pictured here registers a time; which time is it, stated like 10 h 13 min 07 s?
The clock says 3 h 01 min 15 s
